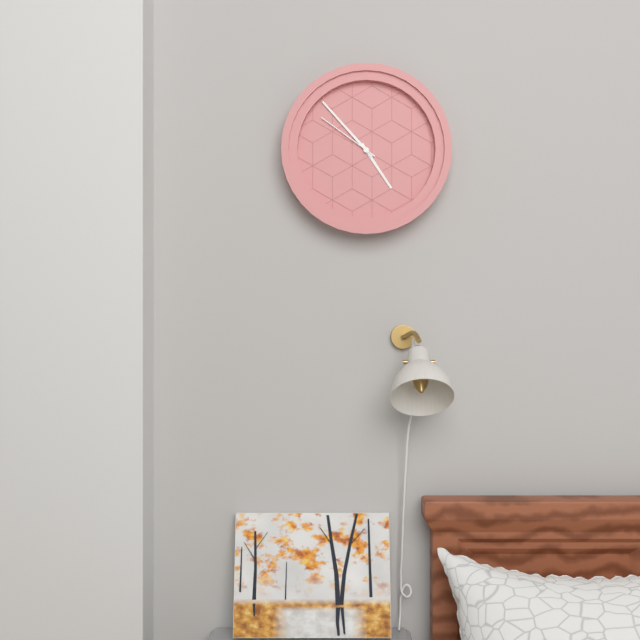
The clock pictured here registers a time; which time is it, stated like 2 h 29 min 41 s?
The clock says 4 h 53 min 51 s
